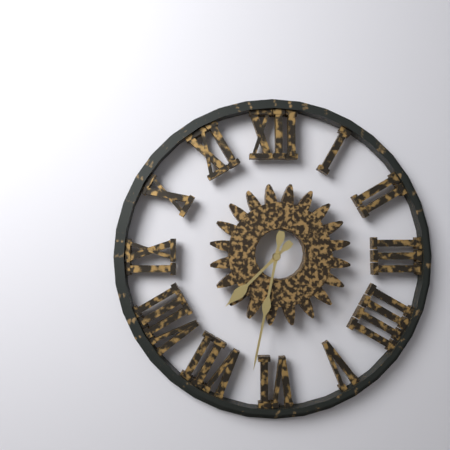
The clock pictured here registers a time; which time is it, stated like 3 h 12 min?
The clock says 7 h 32 min
